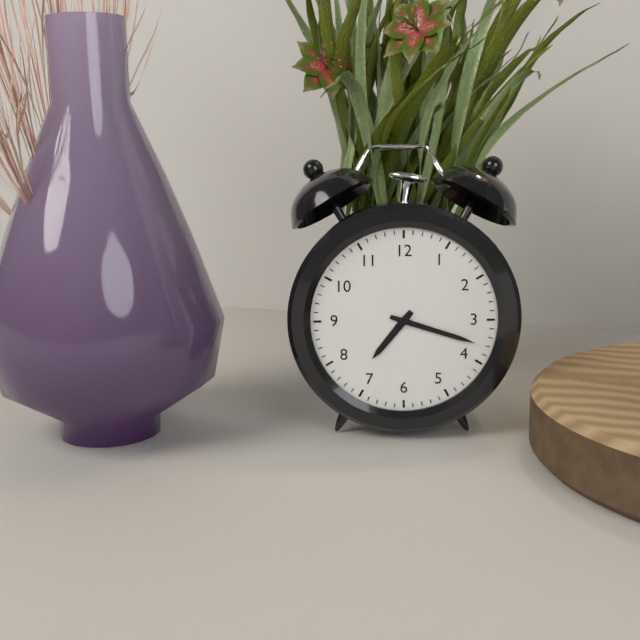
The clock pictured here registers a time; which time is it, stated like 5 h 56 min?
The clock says 7 h 18 min
